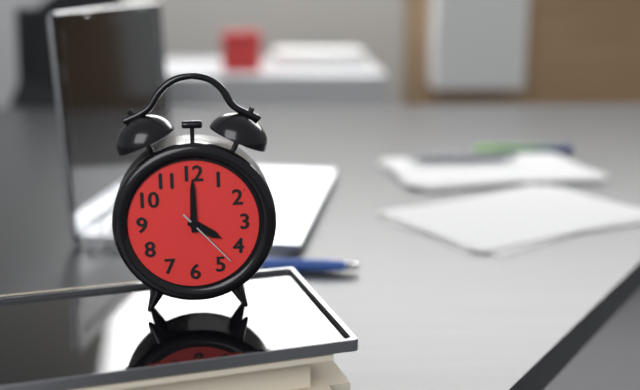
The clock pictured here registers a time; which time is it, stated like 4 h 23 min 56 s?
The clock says 4 h 00 min 23 s
